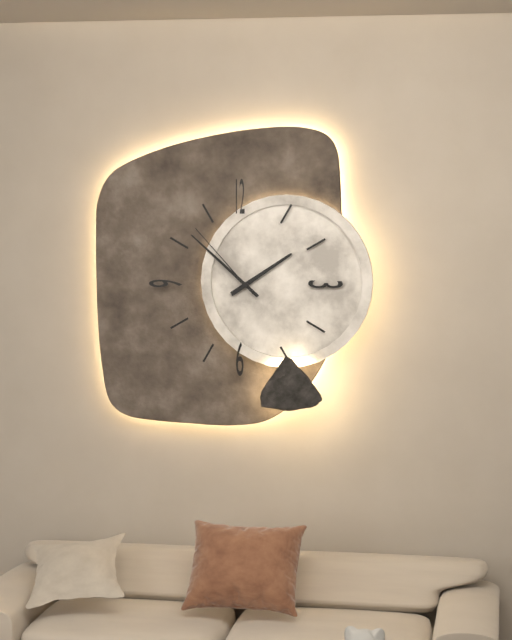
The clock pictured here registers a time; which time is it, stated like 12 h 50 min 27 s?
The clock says 1 h 52 min 53 s
